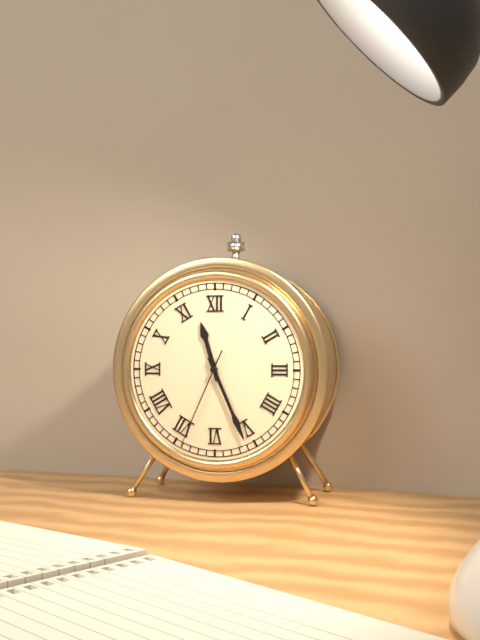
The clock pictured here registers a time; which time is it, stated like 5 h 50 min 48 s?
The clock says 11 h 26 min 34 s
